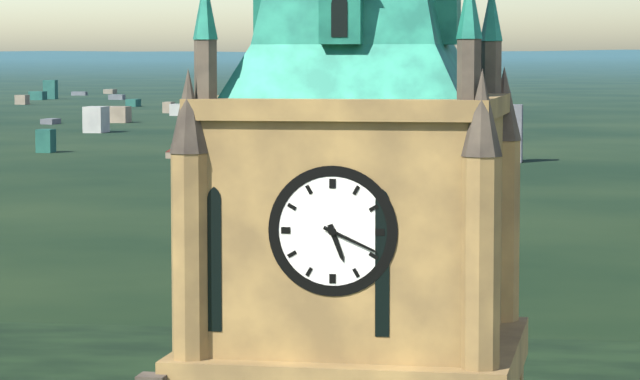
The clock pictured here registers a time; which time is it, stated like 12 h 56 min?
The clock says 5 h 19 min
